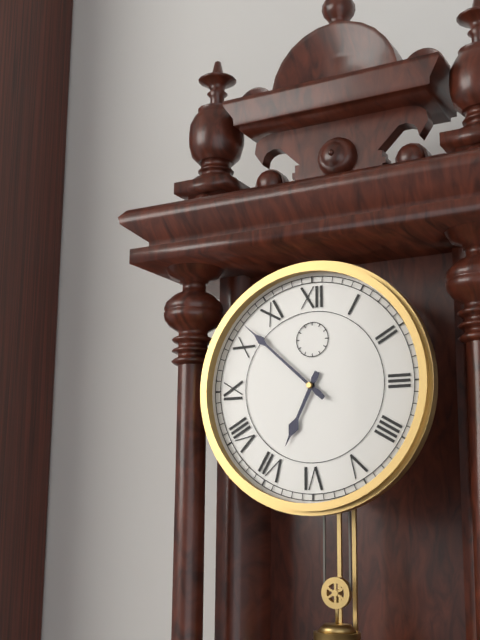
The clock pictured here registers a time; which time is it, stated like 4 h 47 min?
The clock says 6 h 52 min
